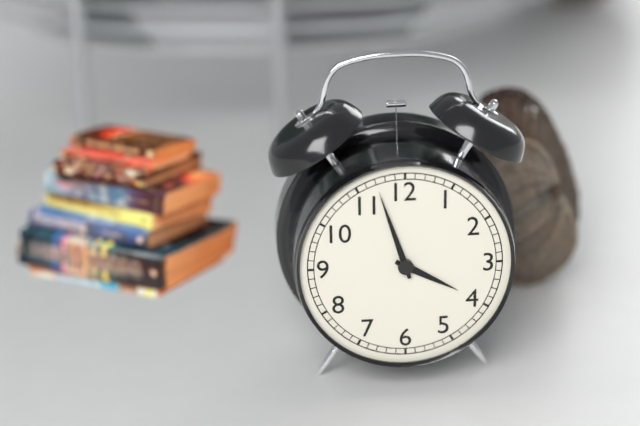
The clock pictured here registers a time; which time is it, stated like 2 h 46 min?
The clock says 3 h 57 min
